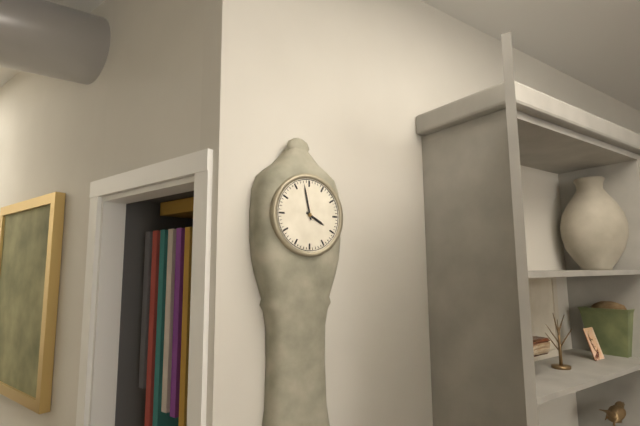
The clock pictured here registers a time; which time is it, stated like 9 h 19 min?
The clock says 3 h 58 min
